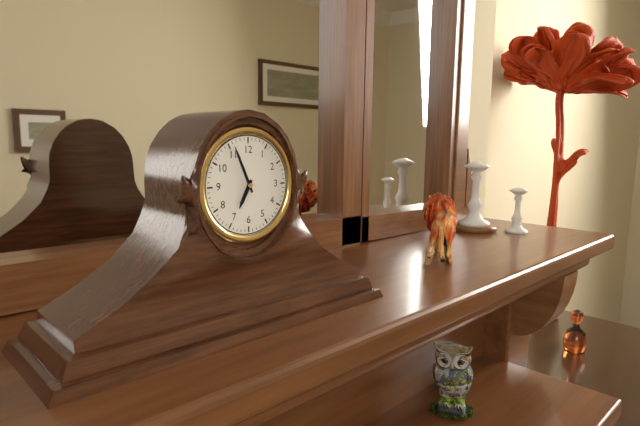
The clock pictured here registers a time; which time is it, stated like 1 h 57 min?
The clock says 6 h 56 min
